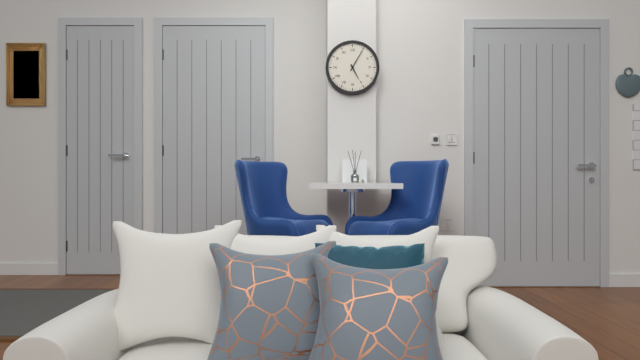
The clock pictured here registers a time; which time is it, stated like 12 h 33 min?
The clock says 5 h 05 min
